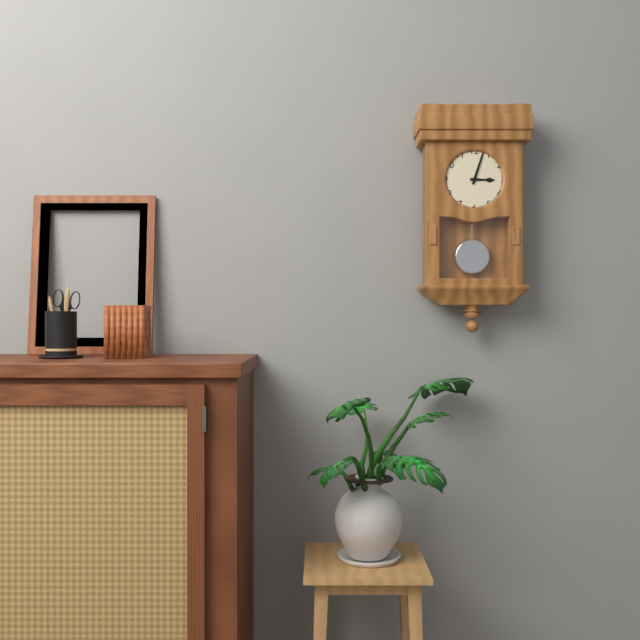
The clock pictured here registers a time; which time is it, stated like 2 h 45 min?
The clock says 3 h 03 min
